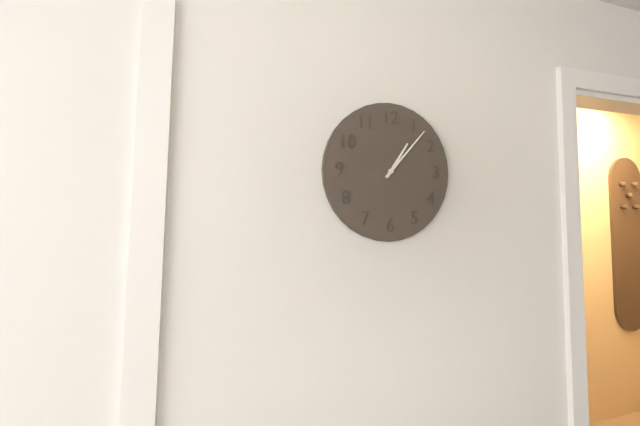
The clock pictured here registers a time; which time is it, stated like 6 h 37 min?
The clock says 1 h 07 min
